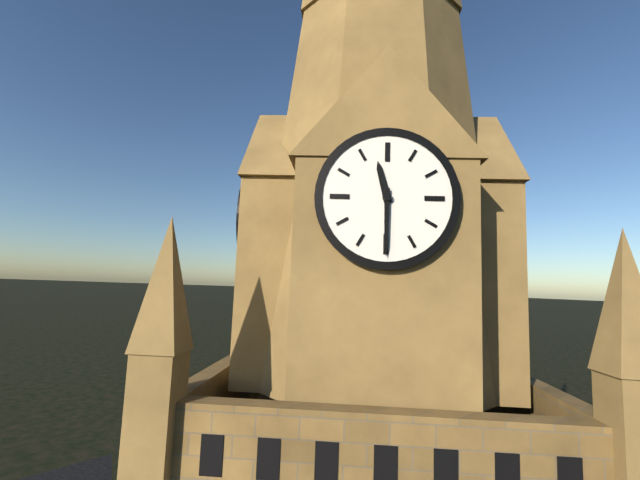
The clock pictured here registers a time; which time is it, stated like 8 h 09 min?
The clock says 11 h 30 min
